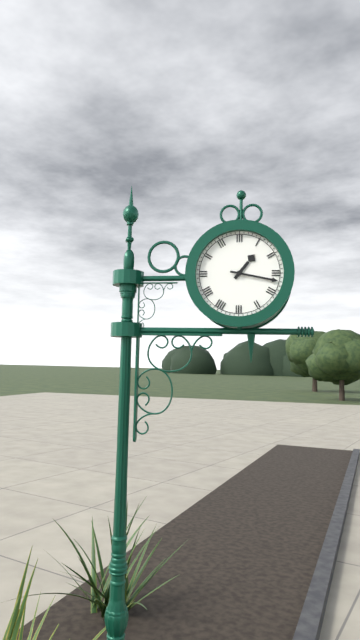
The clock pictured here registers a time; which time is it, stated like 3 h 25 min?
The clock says 1 h 17 min
